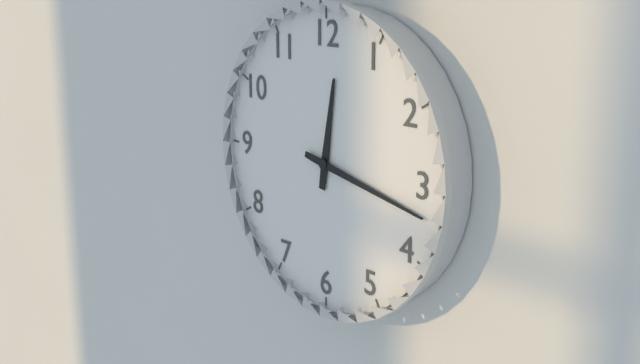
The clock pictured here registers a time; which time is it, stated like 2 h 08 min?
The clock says 12 h 17 min
